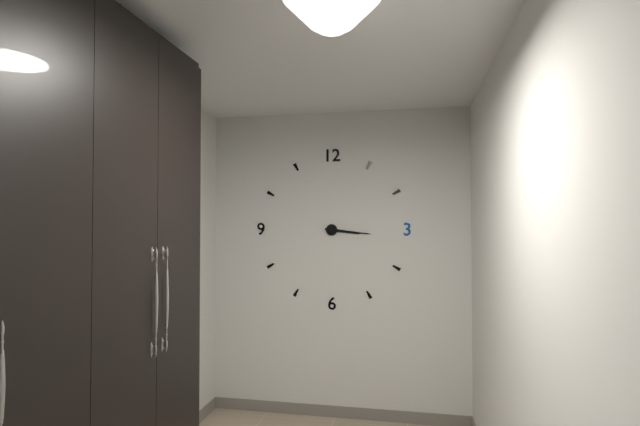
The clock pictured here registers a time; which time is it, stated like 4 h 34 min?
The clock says 3 h 16 min
